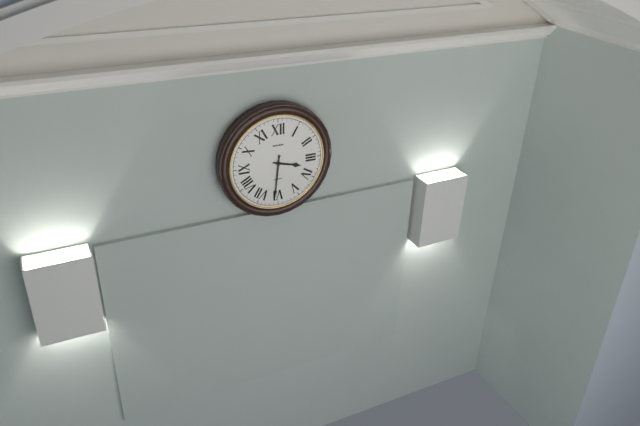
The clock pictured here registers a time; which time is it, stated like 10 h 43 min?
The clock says 3 h 31 min
